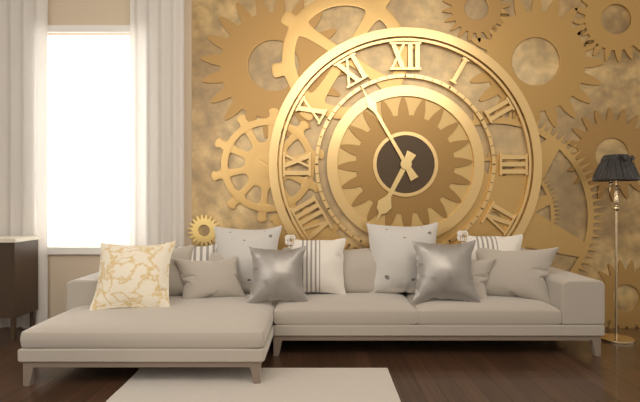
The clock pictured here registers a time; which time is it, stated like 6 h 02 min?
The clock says 6 h 55 min
